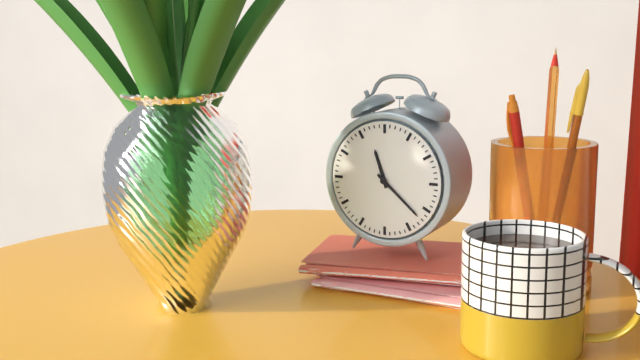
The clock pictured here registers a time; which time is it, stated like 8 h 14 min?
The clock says 11 h 22 min
